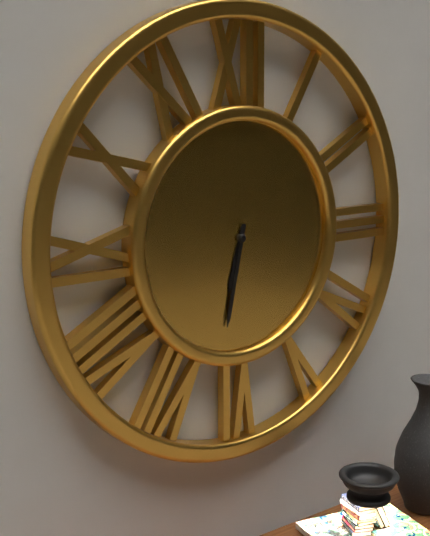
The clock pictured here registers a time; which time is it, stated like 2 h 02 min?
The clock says 6 h 32 min
